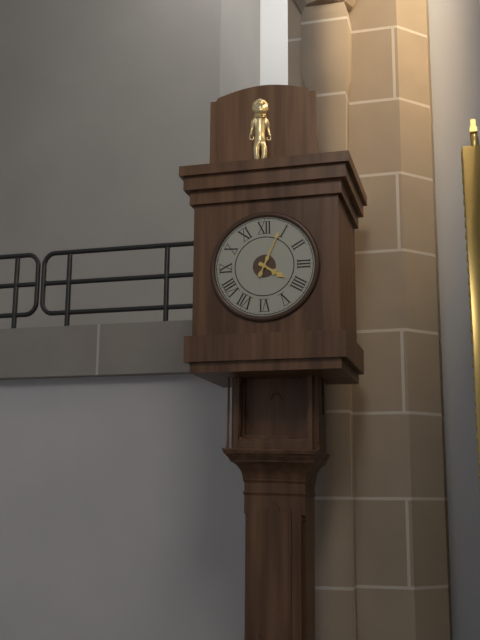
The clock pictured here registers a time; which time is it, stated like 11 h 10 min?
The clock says 4 h 04 min
